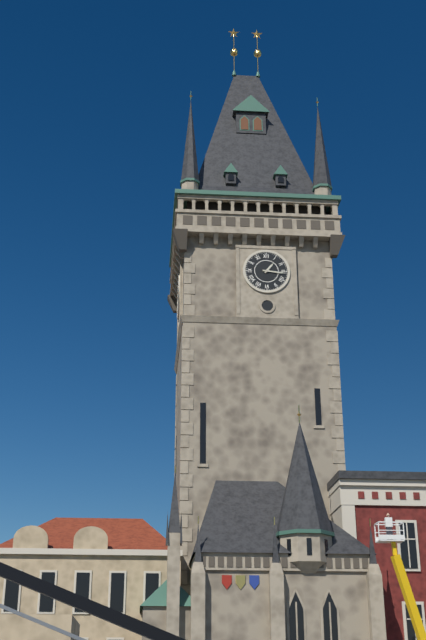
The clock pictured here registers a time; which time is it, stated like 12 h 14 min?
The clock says 1 h 16 min
